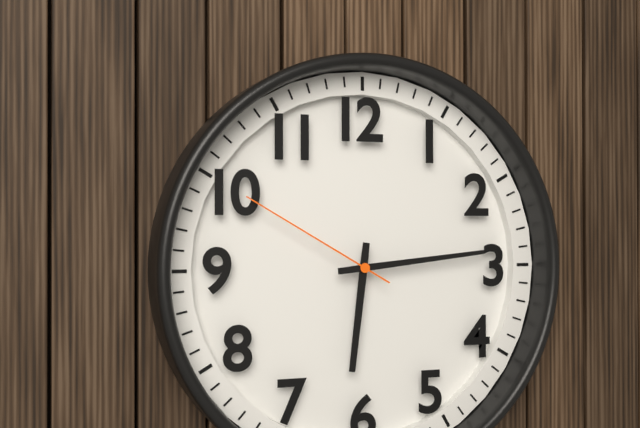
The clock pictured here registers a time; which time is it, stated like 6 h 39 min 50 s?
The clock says 6 h 14 min 50 s
